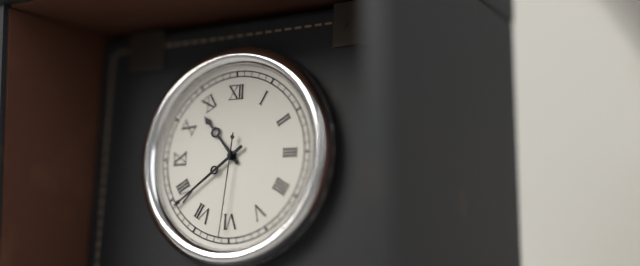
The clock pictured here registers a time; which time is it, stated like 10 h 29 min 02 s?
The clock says 10 h 39 min 31 s
